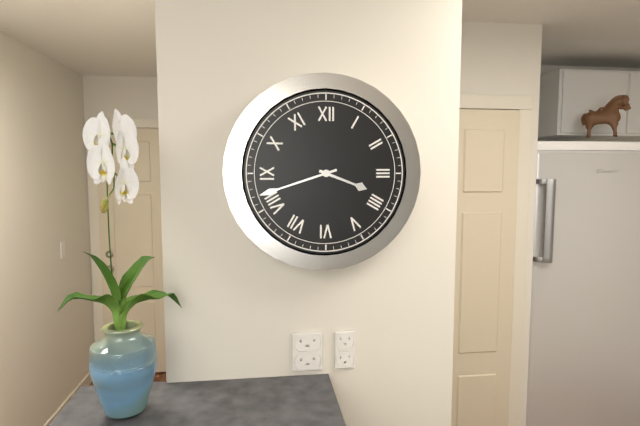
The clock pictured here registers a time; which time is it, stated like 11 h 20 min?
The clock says 3 h 42 min
